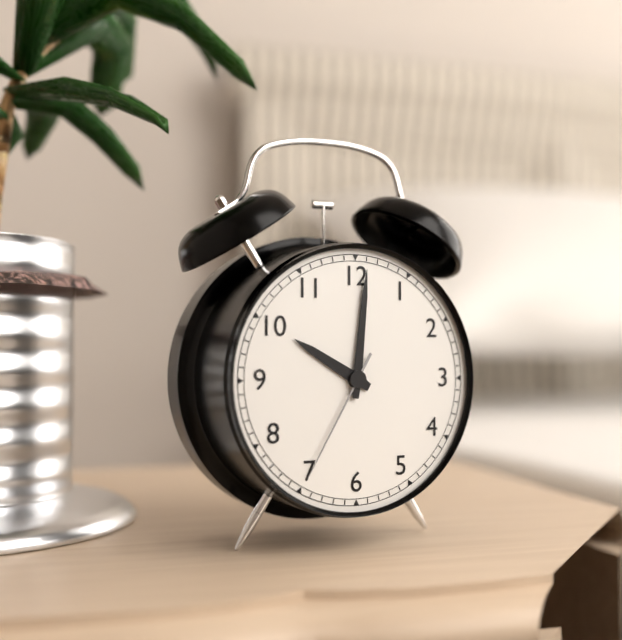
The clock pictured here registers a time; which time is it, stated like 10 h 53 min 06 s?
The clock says 10 h 01 min 35 s
